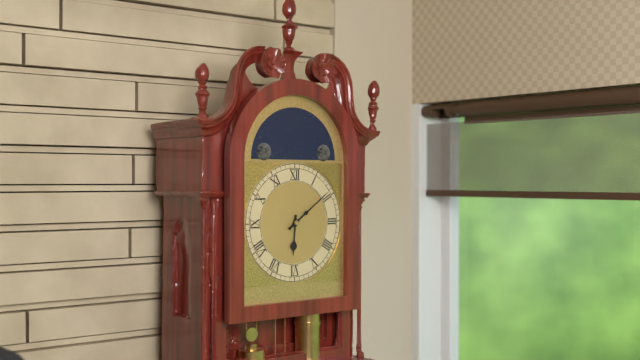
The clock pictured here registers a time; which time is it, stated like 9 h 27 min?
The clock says 6 h 09 min
